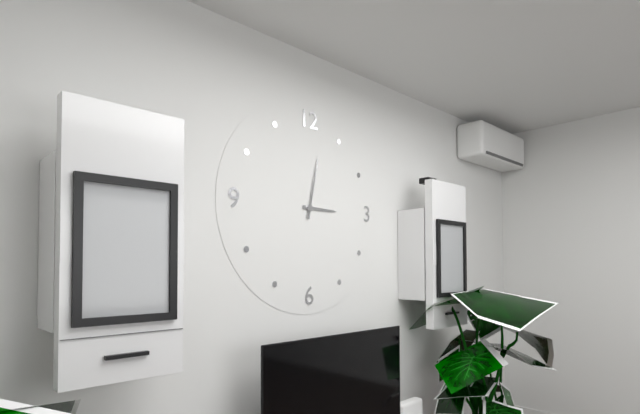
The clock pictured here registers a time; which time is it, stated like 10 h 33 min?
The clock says 3 h 02 min
